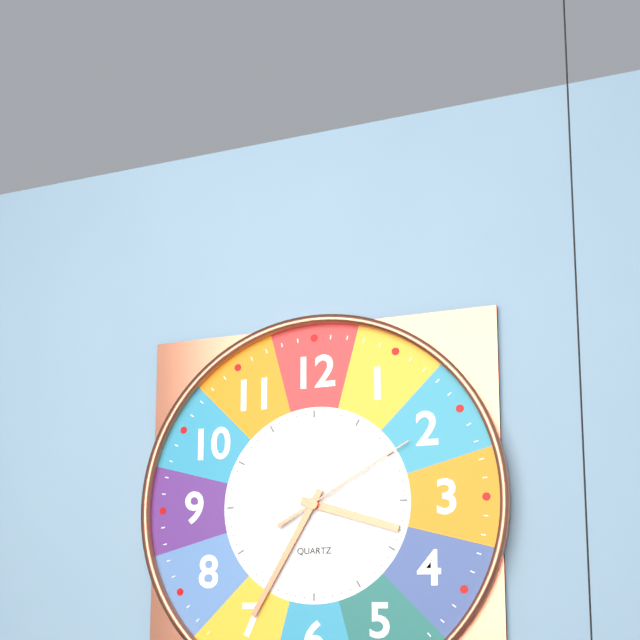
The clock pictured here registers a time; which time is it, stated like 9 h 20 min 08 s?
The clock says 3 h 35 min 10 s
